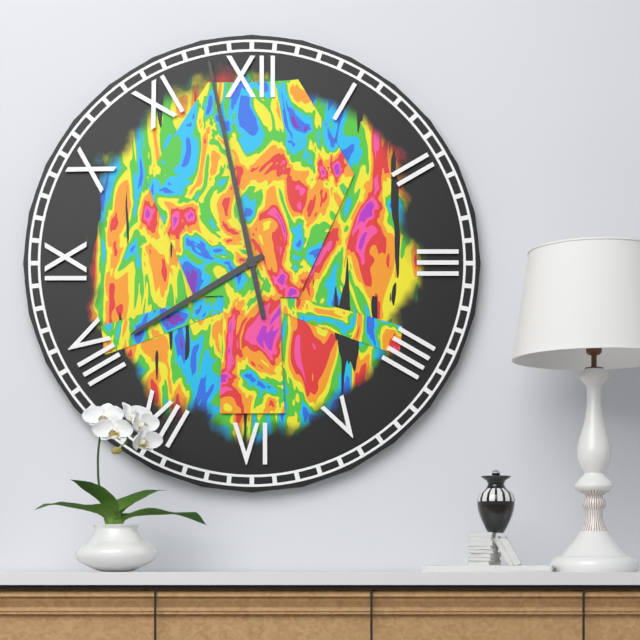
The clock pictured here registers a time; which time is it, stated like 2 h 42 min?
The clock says 7 h 58 min
